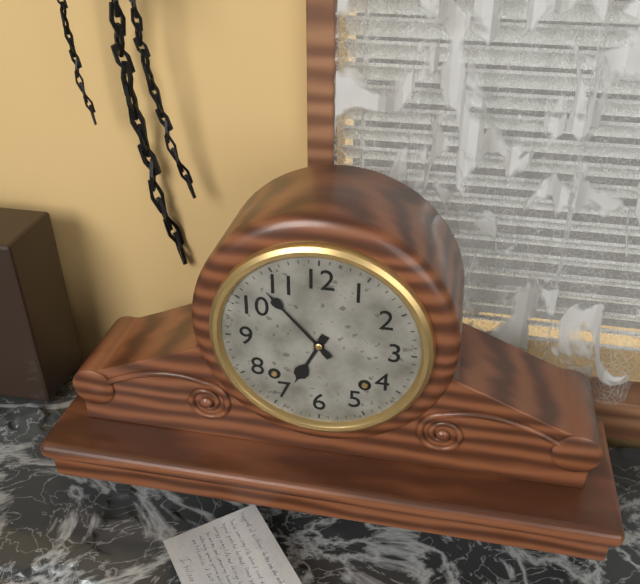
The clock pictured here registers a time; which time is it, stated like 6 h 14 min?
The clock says 6 h 53 min
